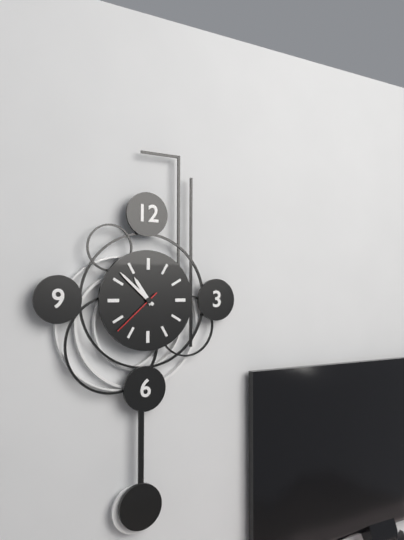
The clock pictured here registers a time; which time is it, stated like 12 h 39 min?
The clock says 10 h 52 min
